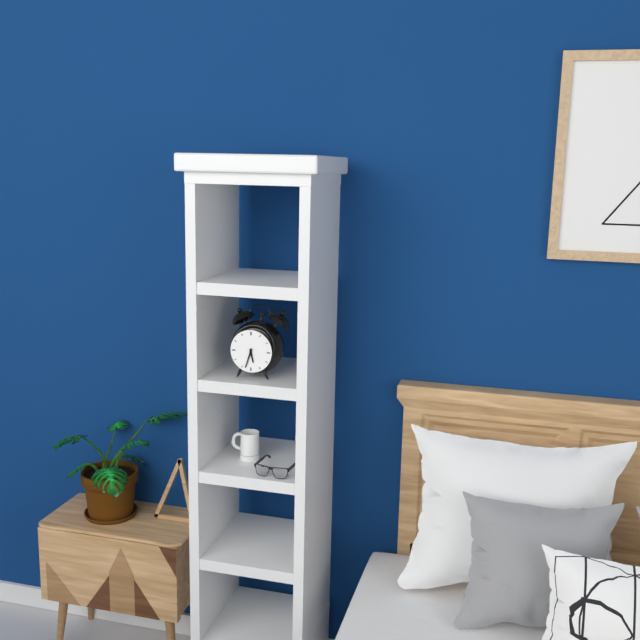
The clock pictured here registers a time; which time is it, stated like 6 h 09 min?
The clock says 5 h 33 min
